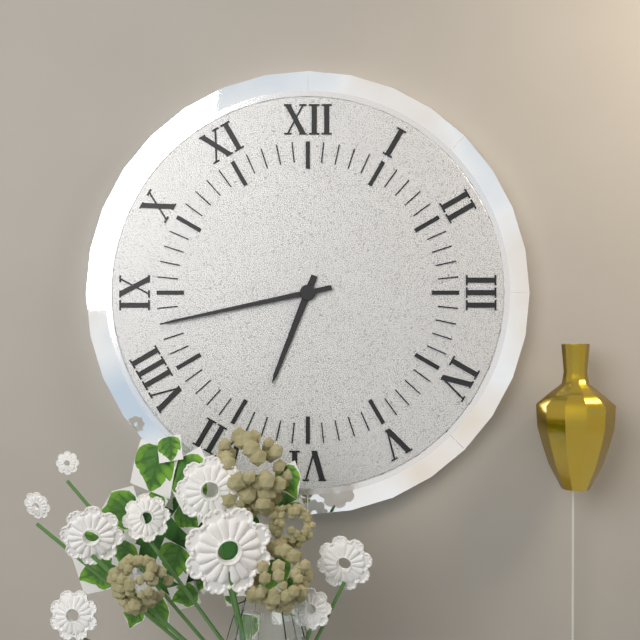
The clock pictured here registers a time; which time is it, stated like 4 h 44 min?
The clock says 6 h 43 min
